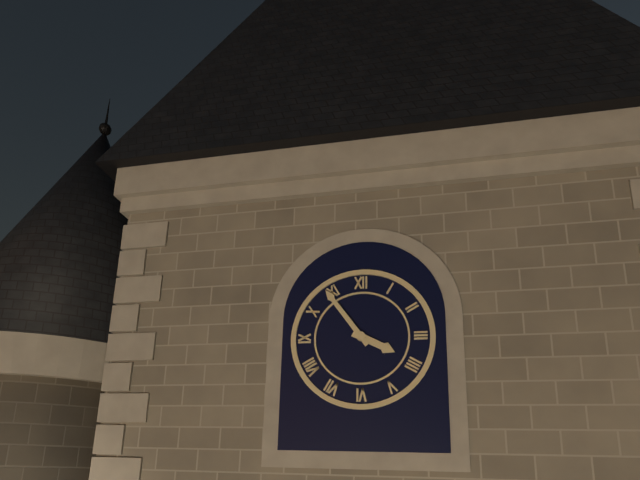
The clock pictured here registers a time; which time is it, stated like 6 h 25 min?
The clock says 3 h 54 min
